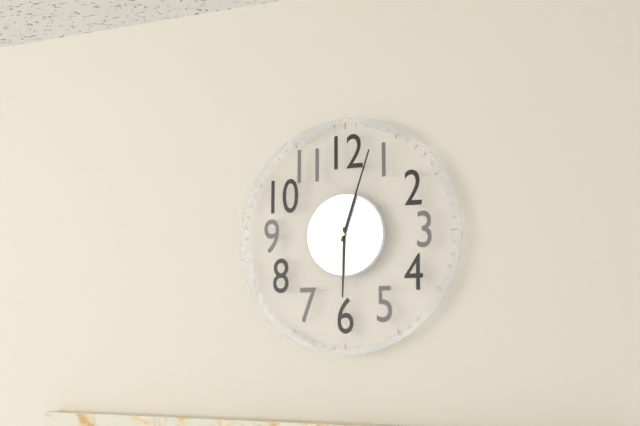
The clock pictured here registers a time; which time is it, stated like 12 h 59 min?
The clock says 6 h 03 min
